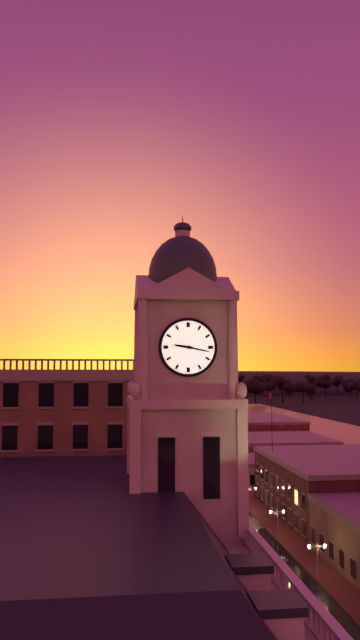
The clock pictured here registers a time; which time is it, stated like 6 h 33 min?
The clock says 9 h 17 min
